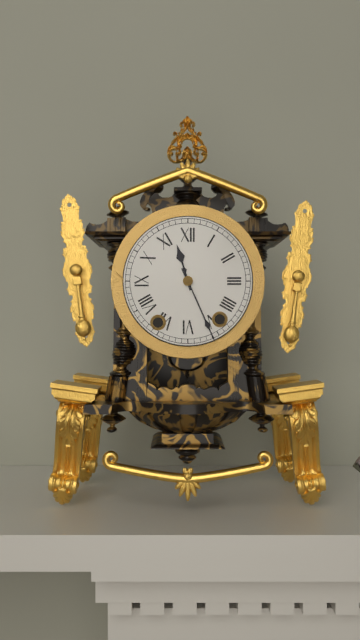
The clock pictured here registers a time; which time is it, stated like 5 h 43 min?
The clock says 11 h 26 min
